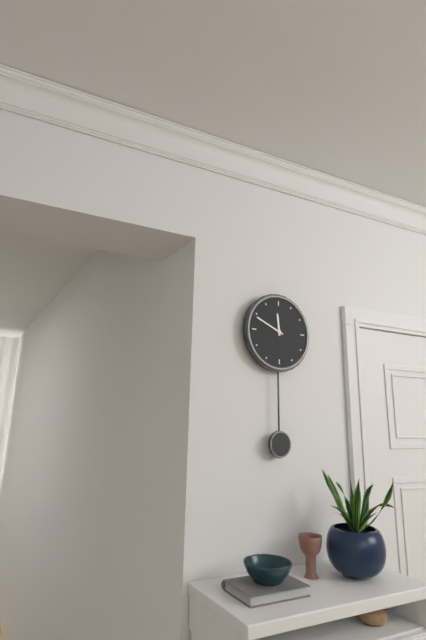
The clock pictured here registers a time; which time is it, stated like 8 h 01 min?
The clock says 11 h 49 min
